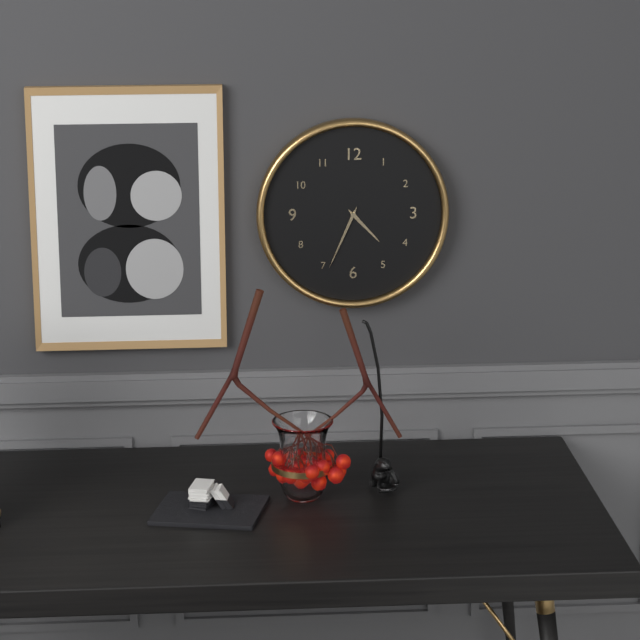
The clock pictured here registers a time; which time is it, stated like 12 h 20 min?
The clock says 4 h 34 min
